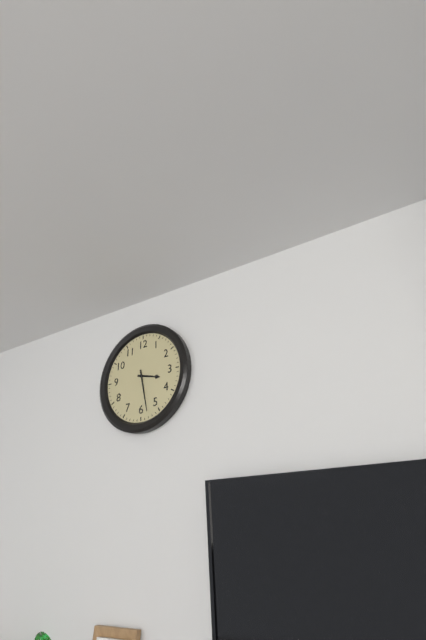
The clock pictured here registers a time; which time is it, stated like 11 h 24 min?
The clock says 3 h 28 min
